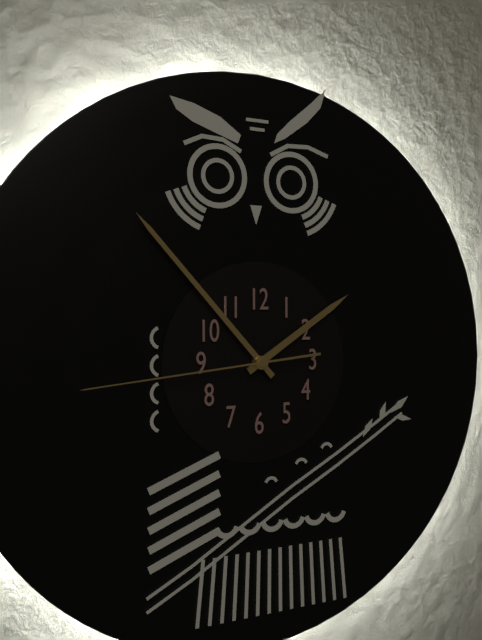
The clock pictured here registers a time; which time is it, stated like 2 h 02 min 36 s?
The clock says 1 h 53 min 44 s
